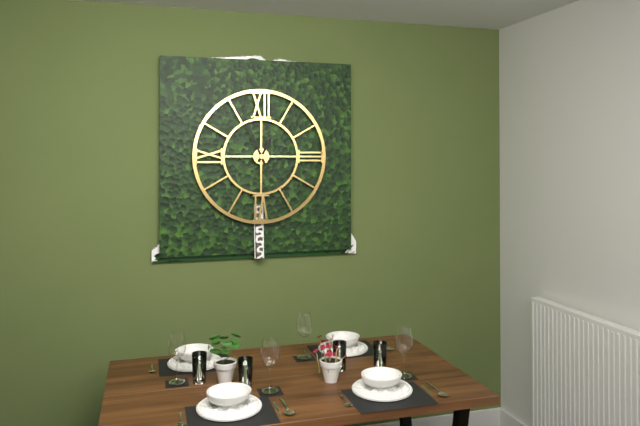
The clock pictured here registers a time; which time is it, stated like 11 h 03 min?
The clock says 12 h 56 min
